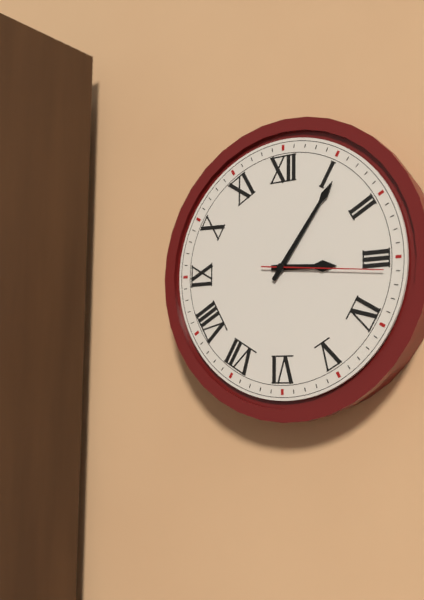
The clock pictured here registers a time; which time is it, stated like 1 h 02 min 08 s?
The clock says 3 h 06 min 16 s
